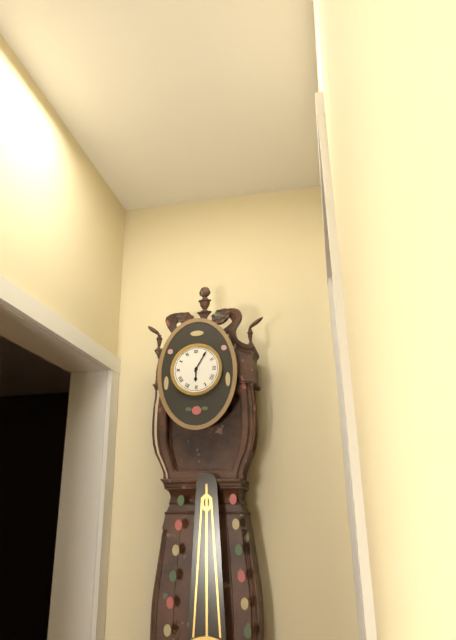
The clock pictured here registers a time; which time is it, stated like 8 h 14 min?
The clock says 6 h 05 min
